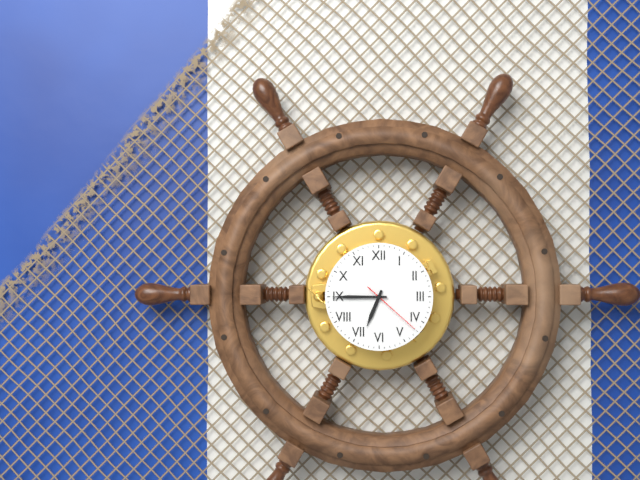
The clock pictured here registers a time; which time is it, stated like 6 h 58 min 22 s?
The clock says 6 h 45 min 22 s
